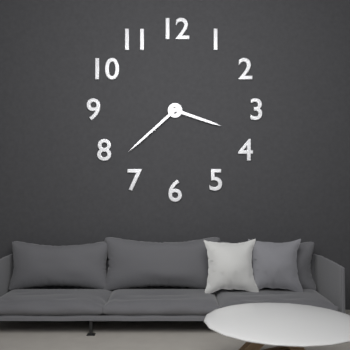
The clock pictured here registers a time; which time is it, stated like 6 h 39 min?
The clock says 3 h 38 min
